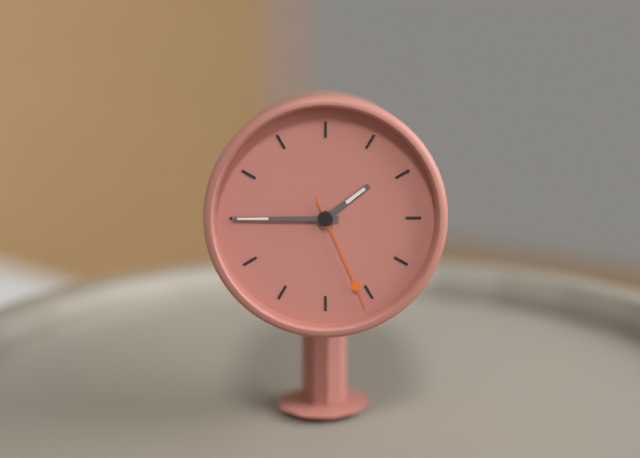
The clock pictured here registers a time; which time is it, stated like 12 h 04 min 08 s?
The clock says 1 h 45 min 26 s
